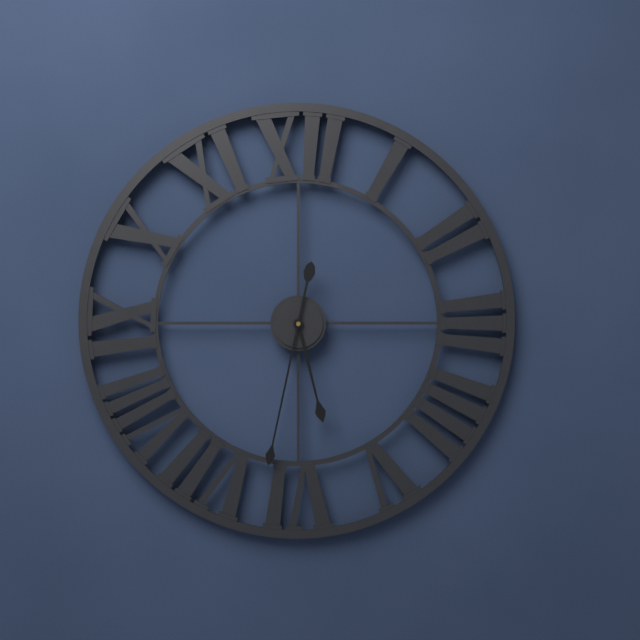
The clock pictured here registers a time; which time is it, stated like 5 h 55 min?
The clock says 5 h 32 min
